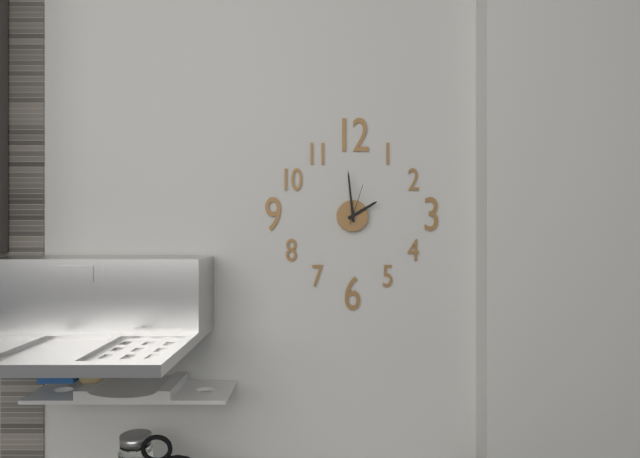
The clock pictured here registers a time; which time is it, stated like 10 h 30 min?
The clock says 1 h 59 min
